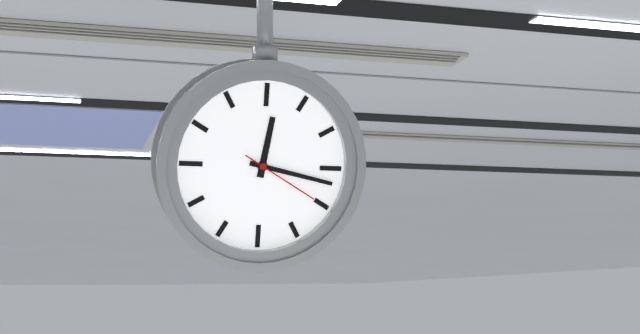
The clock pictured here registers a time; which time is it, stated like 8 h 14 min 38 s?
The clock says 12 h 17 min 20 s
